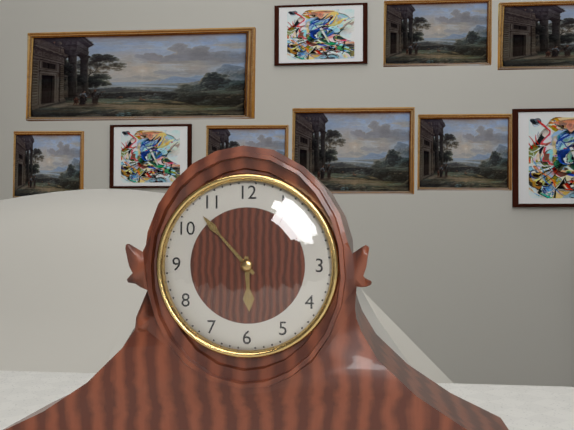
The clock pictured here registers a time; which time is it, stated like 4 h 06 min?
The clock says 5 h 53 min
